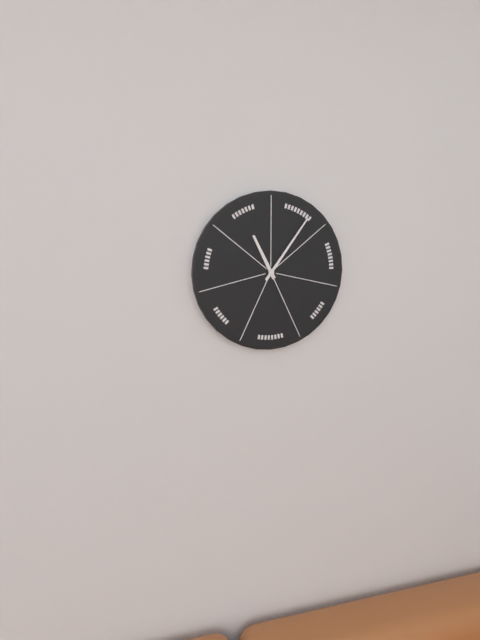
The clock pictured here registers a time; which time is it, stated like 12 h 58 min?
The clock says 11 h 06 min
